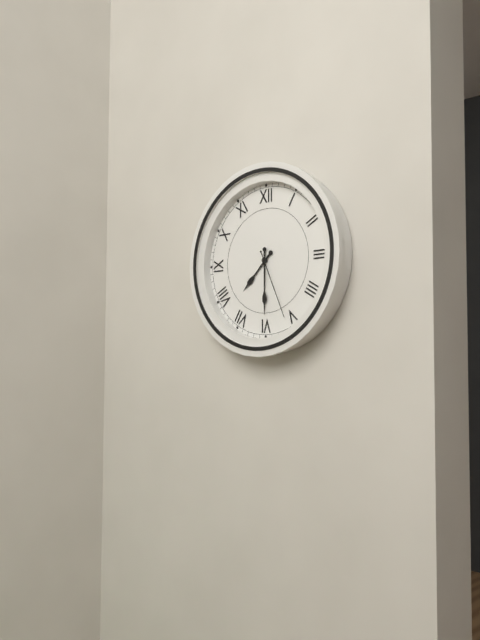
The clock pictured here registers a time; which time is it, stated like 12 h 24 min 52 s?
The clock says 7 h 30 min 26 s
